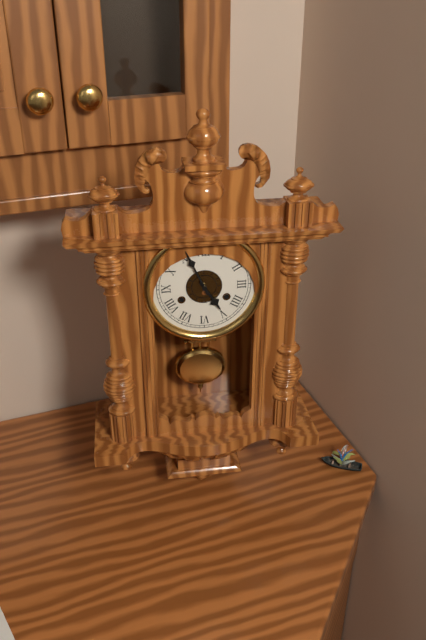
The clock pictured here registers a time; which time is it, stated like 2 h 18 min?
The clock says 4 h 56 min
